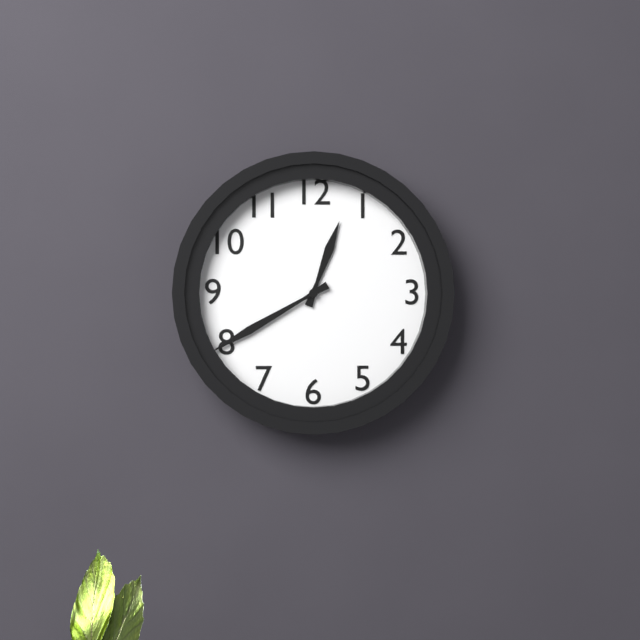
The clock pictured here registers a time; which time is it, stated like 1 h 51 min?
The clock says 12 h 40 min
